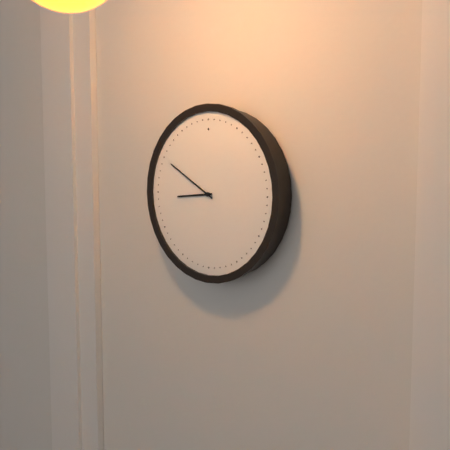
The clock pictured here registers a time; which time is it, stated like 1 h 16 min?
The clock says 8 h 50 min
